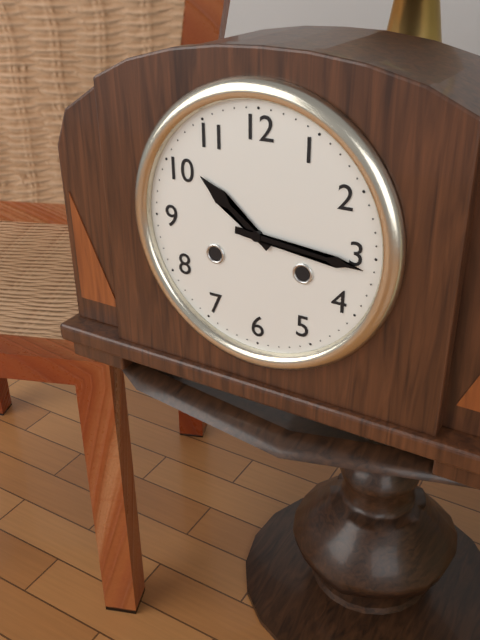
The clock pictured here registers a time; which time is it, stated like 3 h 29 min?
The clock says 10 h 16 min
